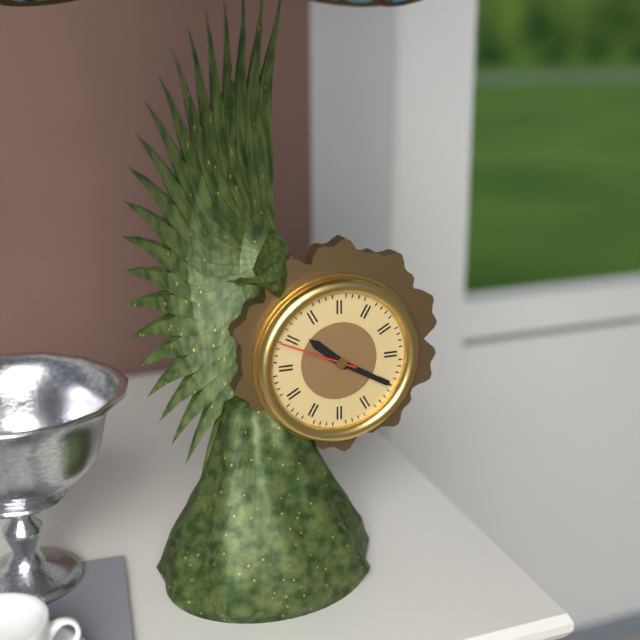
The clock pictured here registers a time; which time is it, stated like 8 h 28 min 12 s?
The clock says 10 h 20 min 49 s
